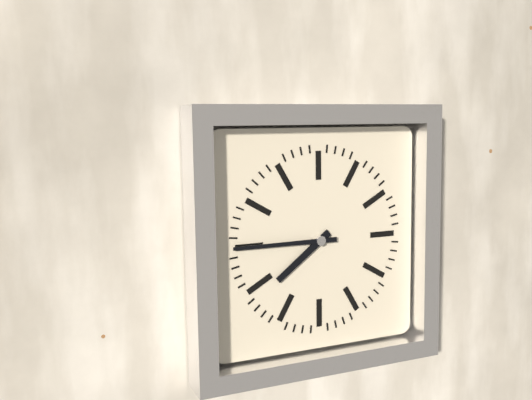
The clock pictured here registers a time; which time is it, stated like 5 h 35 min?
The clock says 7 h 45 min
